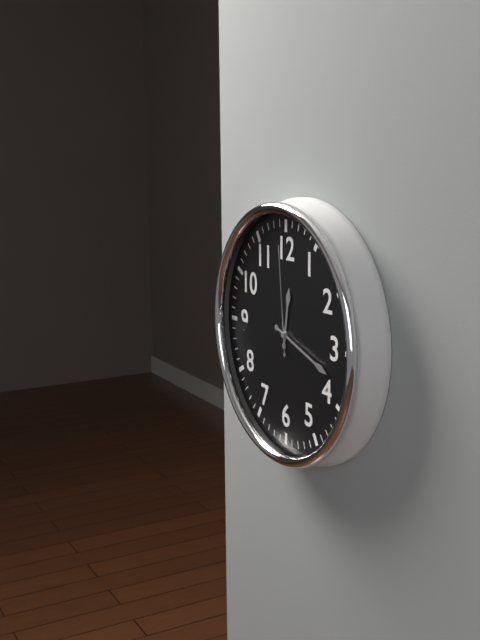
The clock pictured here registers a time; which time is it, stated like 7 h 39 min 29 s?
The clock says 12 h 18 min 59 s
